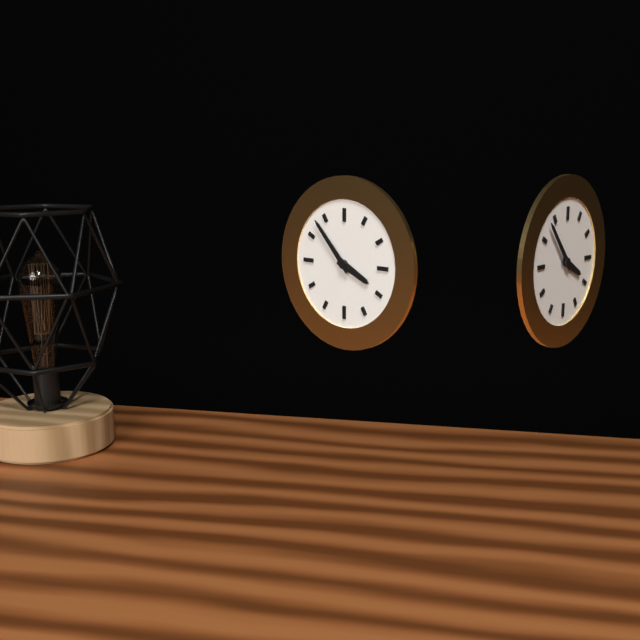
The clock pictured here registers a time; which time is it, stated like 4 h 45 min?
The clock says 3 h 53 min
